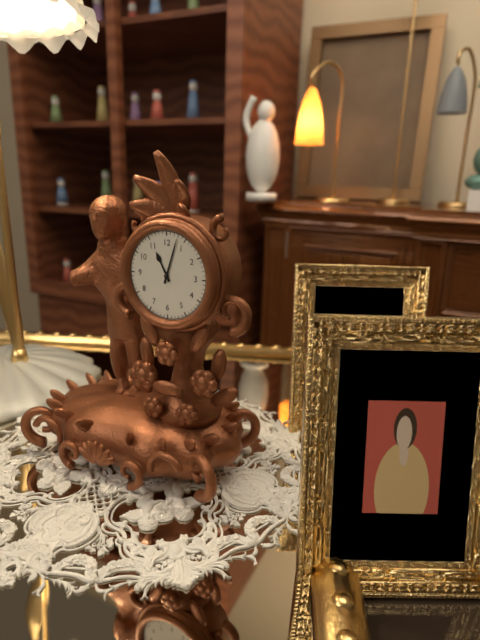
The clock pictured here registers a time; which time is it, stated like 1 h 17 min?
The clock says 11 h 03 min
